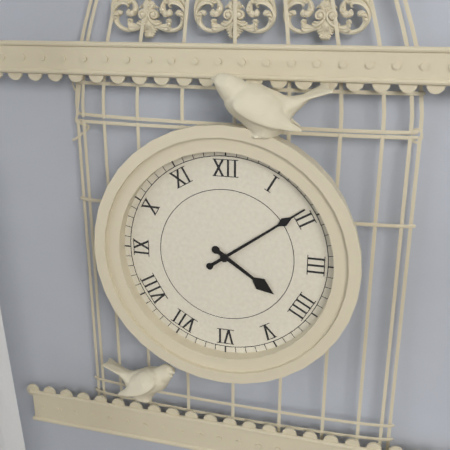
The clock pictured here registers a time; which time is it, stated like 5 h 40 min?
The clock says 4 h 09 min
